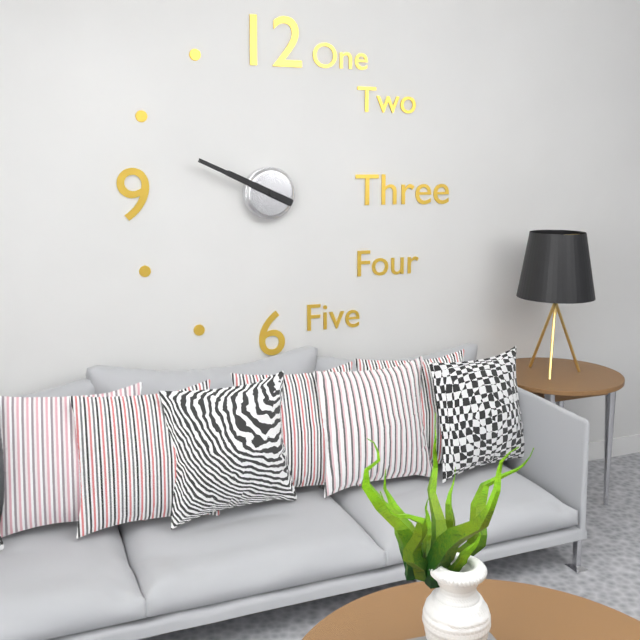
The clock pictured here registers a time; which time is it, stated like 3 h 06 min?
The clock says 9 h 49 min
